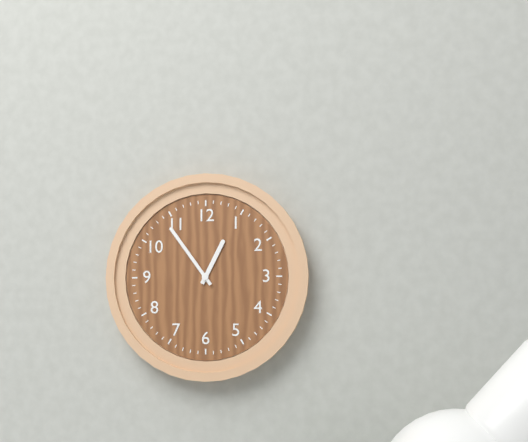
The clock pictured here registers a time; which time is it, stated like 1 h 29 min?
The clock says 12 h 54 min
